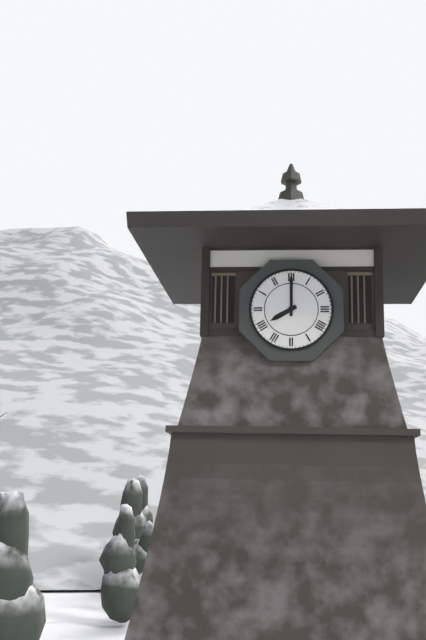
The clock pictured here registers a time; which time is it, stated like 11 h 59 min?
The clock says 8 h 00 min
